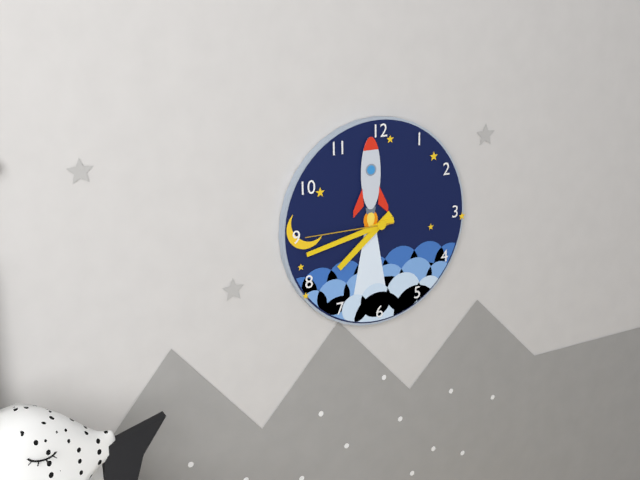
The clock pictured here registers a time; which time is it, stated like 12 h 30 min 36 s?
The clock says 7 h 43 min 45 s
